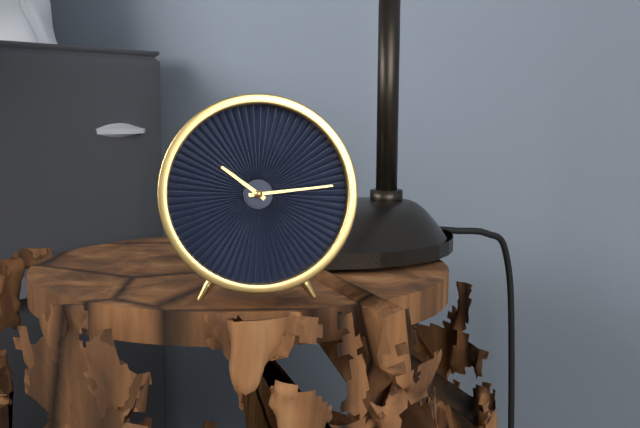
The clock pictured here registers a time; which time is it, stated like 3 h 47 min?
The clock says 10 h 14 min
